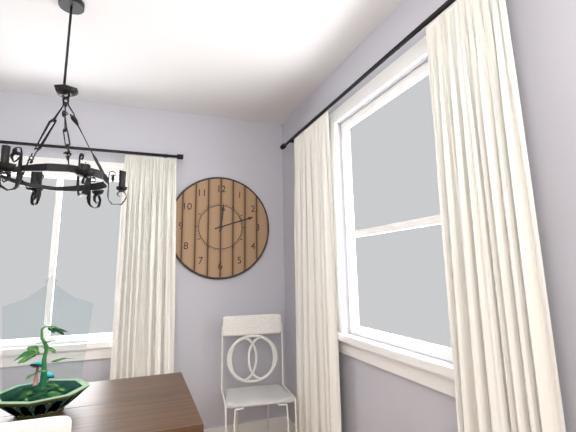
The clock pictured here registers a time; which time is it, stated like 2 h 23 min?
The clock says 12 h 12 min
